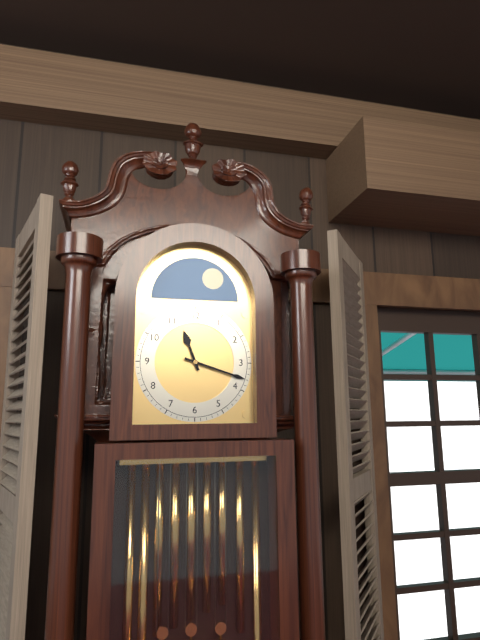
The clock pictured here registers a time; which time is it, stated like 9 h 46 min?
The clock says 11 h 18 min
